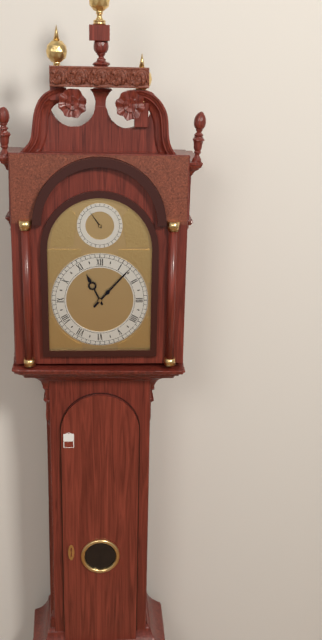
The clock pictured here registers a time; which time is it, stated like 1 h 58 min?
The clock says 11 h 07 min
